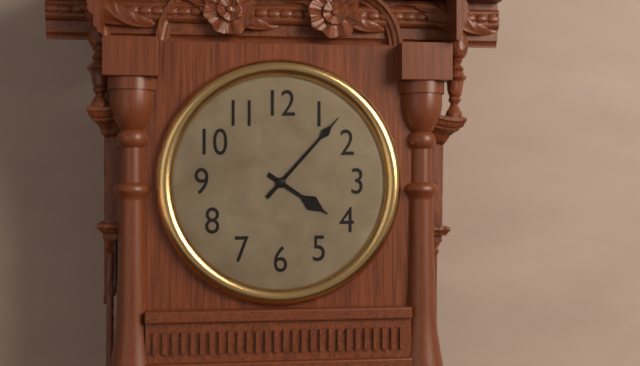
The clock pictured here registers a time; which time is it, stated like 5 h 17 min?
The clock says 4 h 07 min
